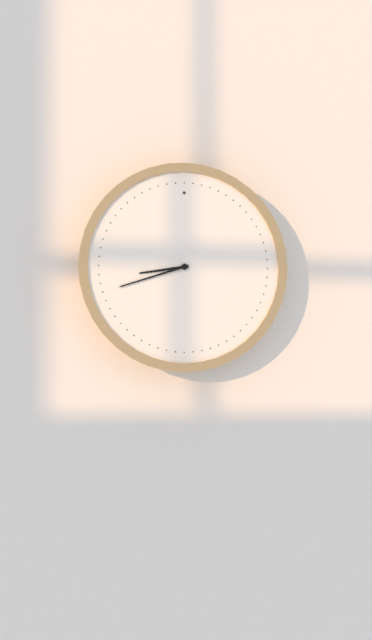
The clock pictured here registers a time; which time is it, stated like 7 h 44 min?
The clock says 8 h 42 min
